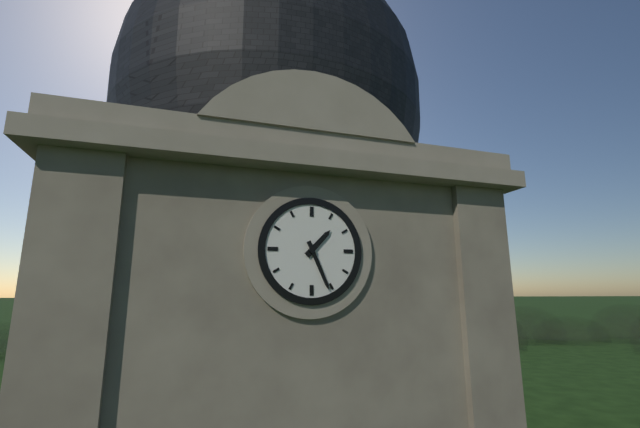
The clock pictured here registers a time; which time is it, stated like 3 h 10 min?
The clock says 1 h 26 min
